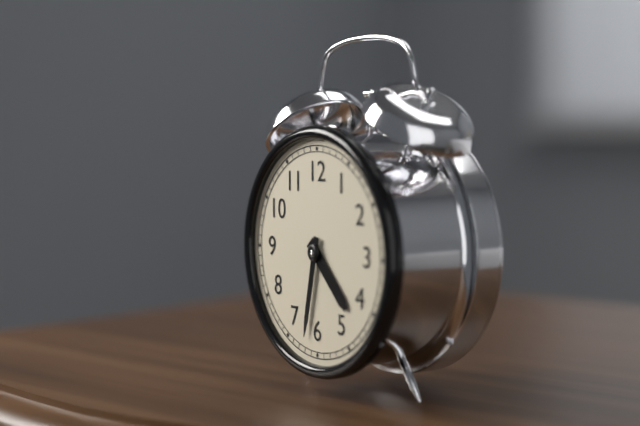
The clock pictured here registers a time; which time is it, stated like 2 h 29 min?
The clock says 4 h 32 min
